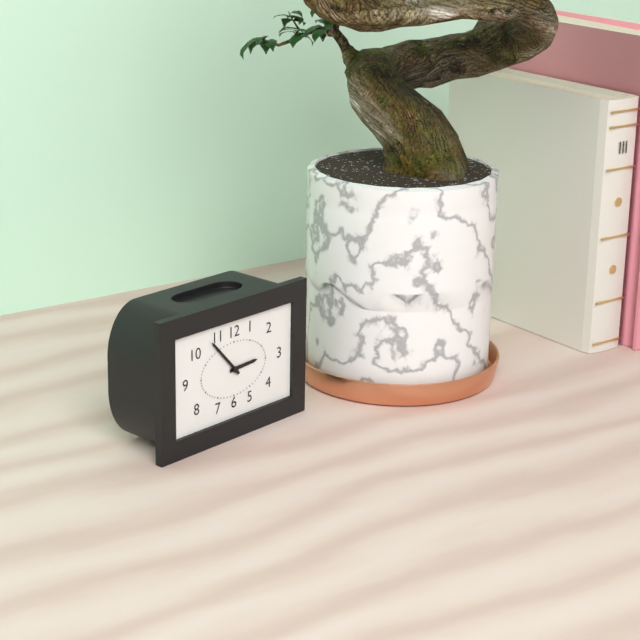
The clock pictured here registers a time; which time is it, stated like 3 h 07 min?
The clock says 2 h 53 min
